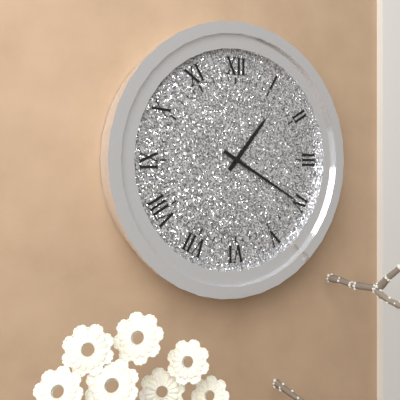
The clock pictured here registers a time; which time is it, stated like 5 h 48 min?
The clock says 1 h 20 min
